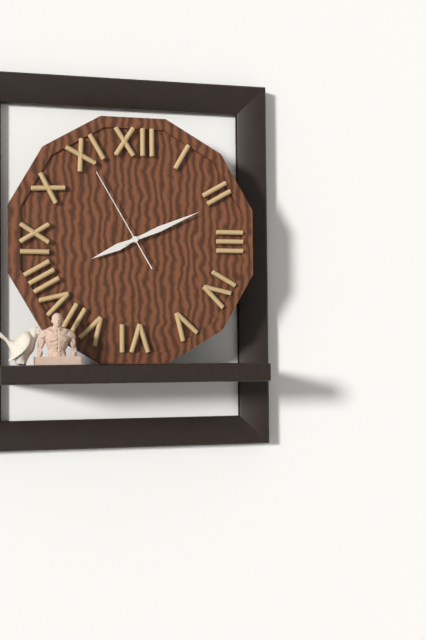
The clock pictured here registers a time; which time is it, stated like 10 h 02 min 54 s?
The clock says 8 h 11 min 55 s
